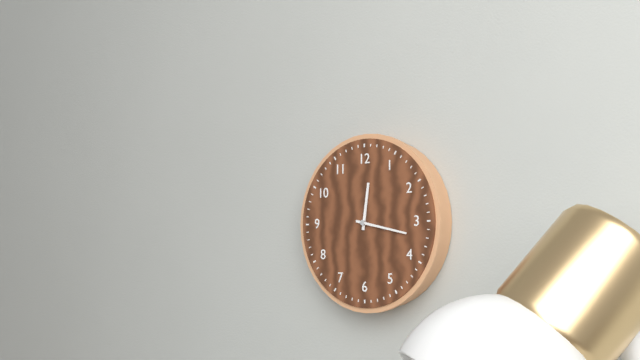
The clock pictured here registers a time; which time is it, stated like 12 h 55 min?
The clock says 12 h 17 min
